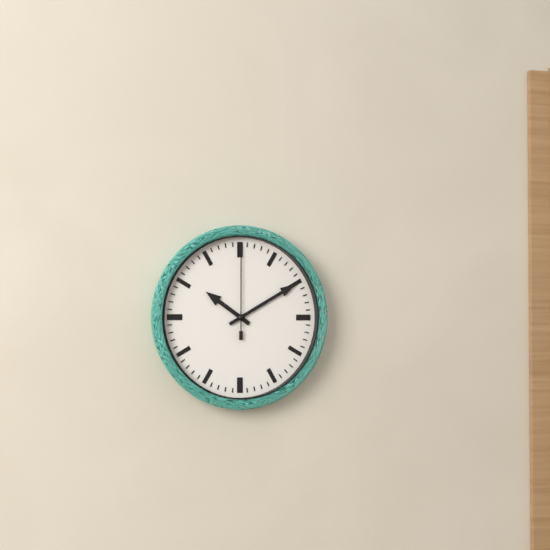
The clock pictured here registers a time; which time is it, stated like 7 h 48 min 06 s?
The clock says 10 h 10 min 00 s
